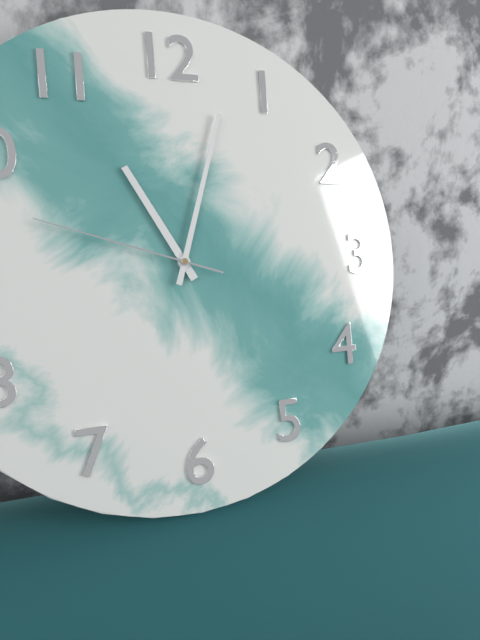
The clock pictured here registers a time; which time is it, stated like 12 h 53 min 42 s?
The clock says 11 h 03 min 48 s
